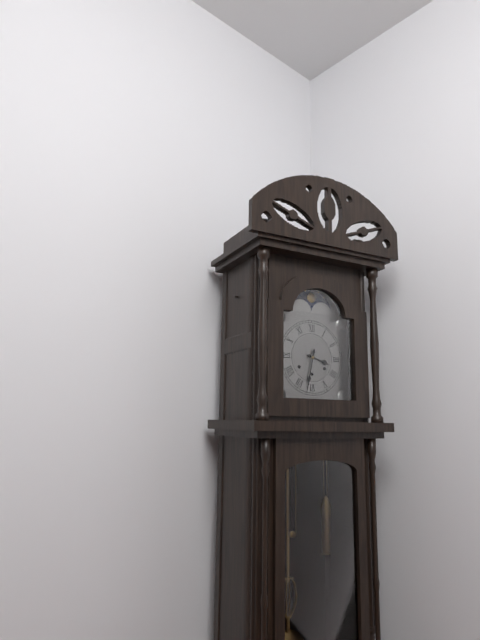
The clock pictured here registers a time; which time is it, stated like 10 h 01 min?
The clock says 3 h 32 min
